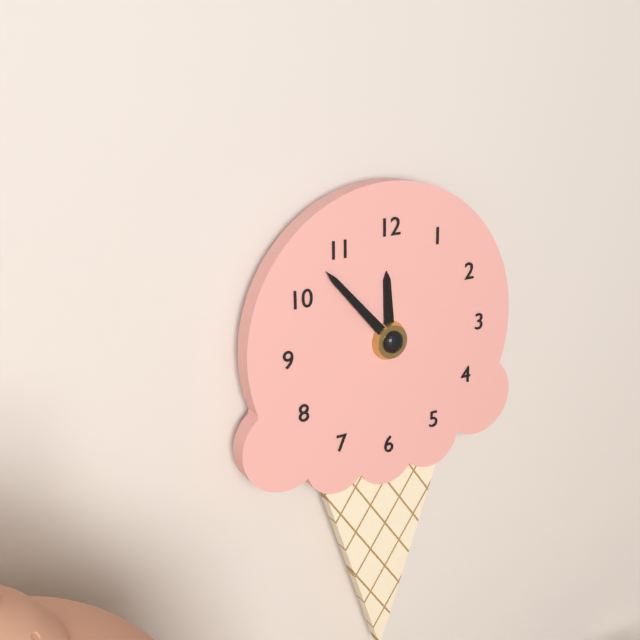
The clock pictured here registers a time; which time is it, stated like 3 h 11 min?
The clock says 11 h 53 min
